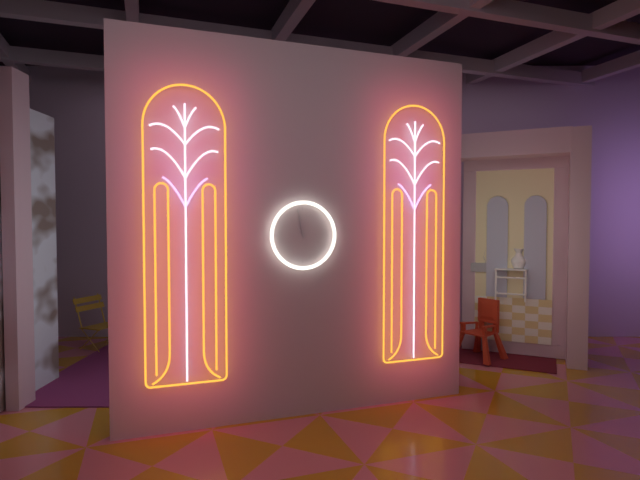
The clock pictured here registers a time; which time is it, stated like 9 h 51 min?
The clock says 10 h 58 min
